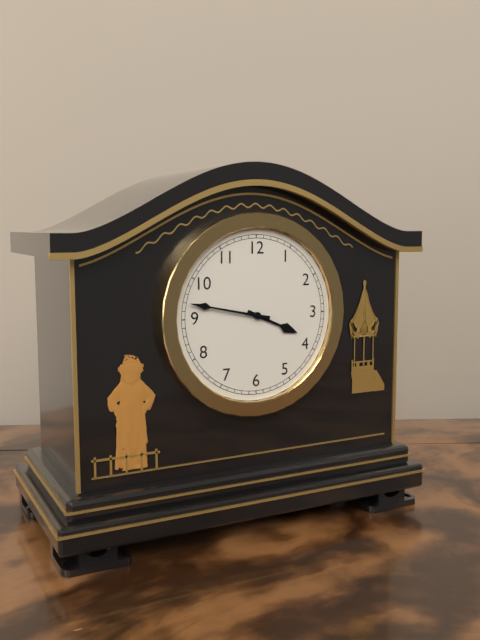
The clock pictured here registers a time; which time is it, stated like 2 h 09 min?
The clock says 3 h 47 min
